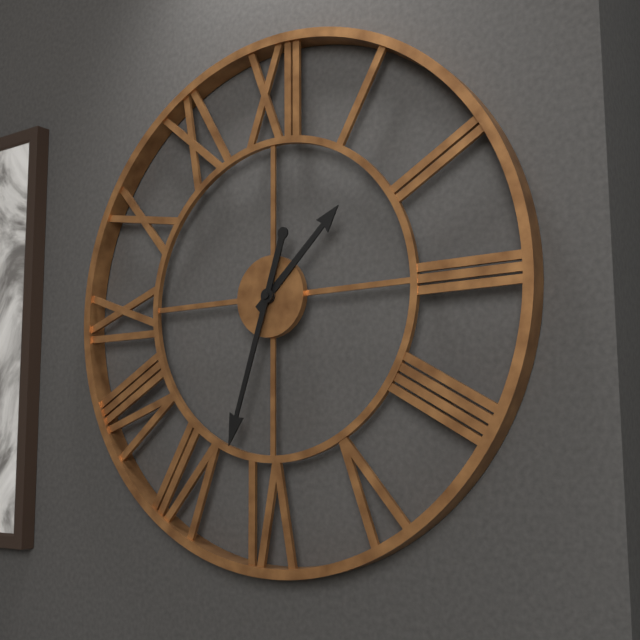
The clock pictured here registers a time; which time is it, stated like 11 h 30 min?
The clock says 1 h 33 min
